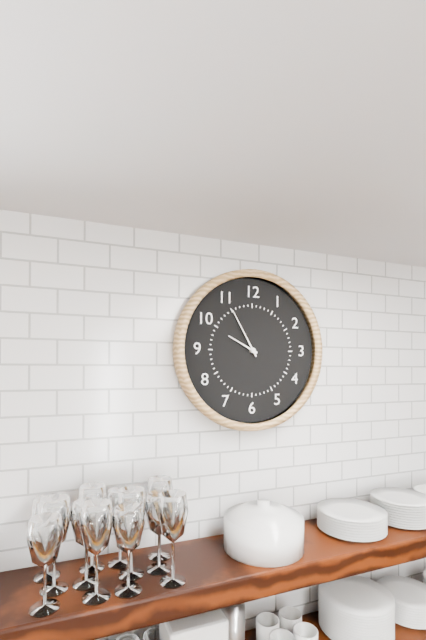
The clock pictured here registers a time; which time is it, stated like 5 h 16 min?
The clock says 9 h 55 min
